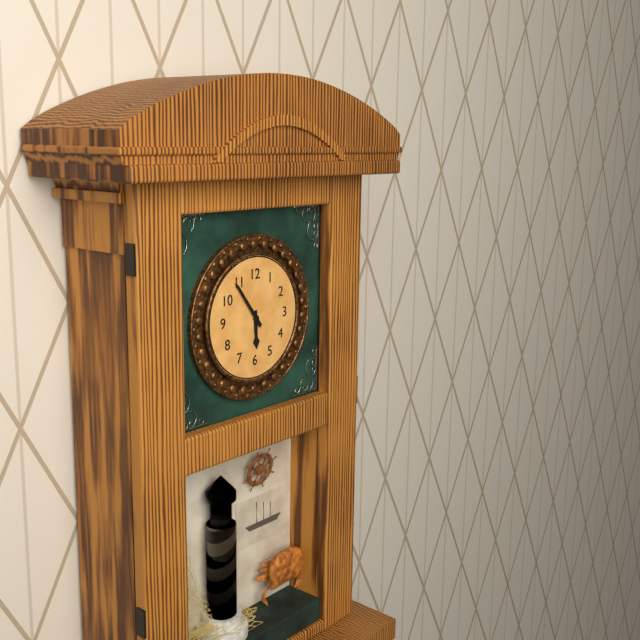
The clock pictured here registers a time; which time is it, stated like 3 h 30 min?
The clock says 5 h 54 min
